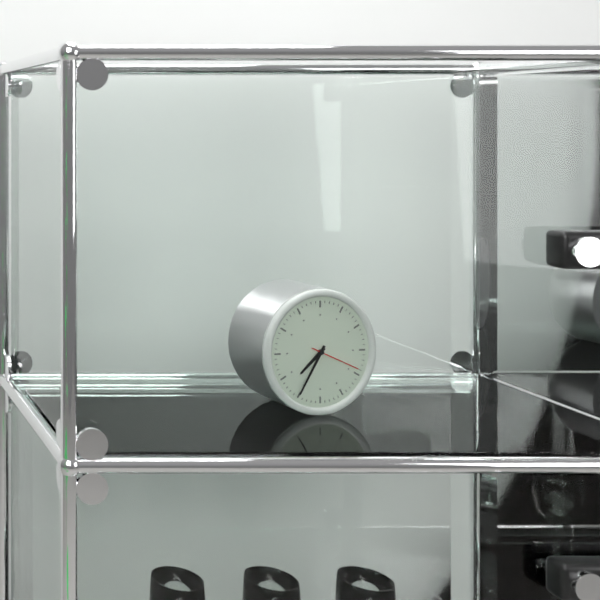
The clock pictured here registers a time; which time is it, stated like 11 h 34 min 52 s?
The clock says 7 h 35 min 19 s
